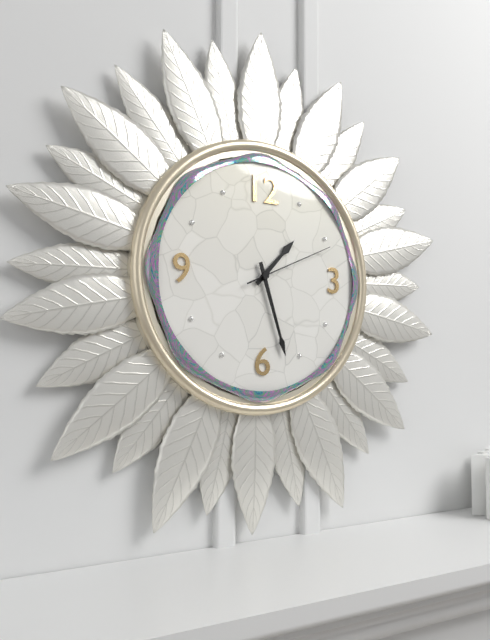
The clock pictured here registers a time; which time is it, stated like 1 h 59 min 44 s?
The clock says 1 h 27 min 11 s
